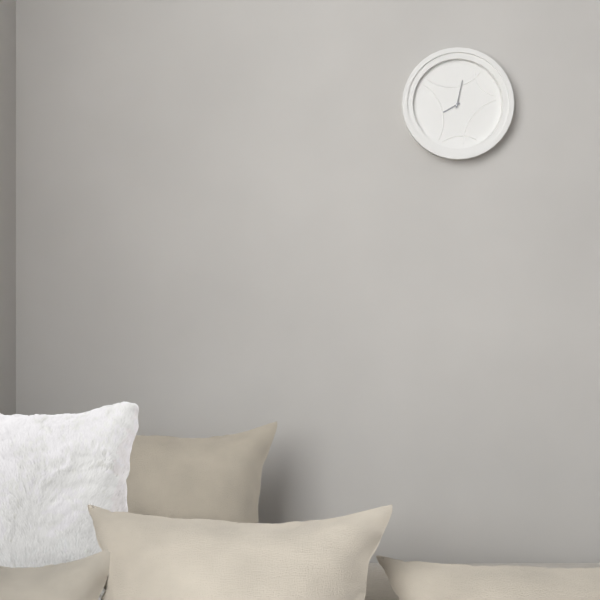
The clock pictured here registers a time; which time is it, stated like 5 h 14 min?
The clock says 8 h 02 min
